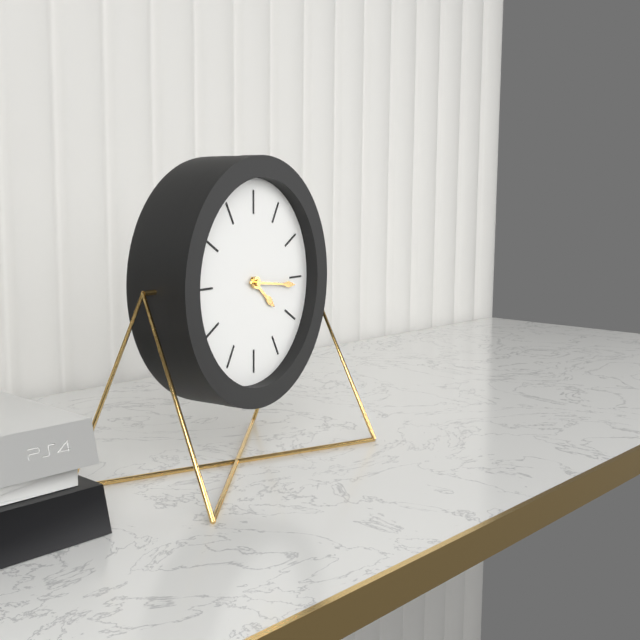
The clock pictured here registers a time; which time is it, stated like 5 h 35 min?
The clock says 4 h 16 min
